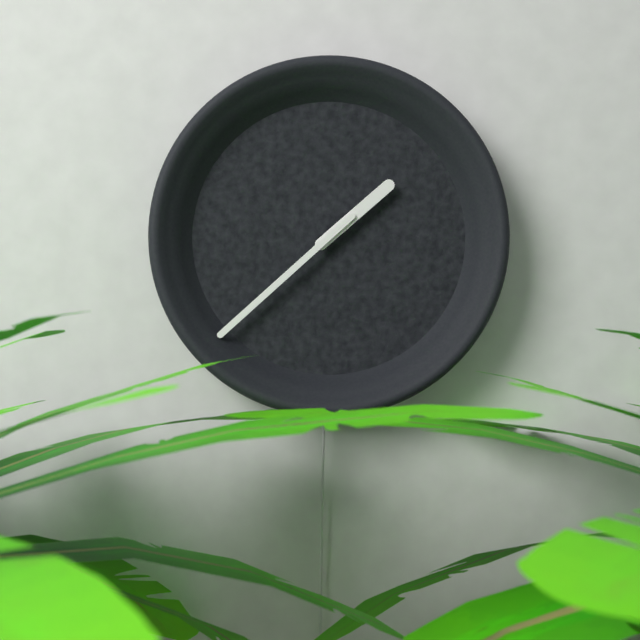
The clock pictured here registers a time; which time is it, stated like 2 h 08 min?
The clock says 1 h 38 min
